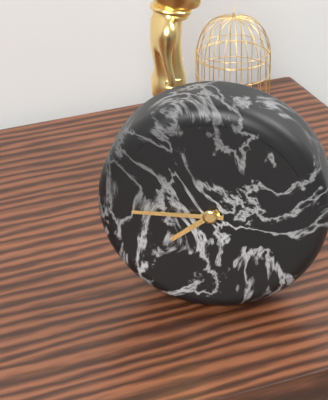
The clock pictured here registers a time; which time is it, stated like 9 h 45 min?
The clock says 7 h 45 min
